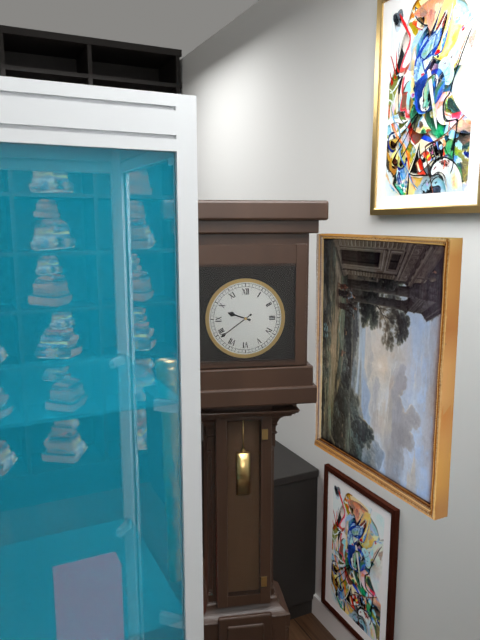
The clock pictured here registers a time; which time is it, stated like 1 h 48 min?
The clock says 9 h 39 min
